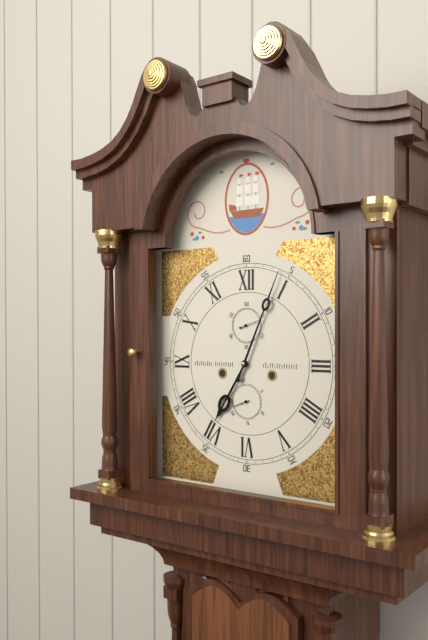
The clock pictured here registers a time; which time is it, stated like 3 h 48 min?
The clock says 7 h 04 min
